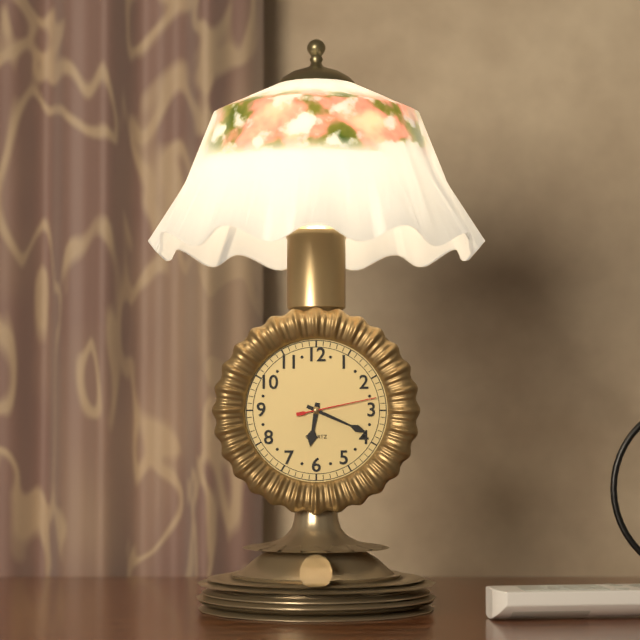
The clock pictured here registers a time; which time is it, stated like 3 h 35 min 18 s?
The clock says 6 h 19 min 13 s
